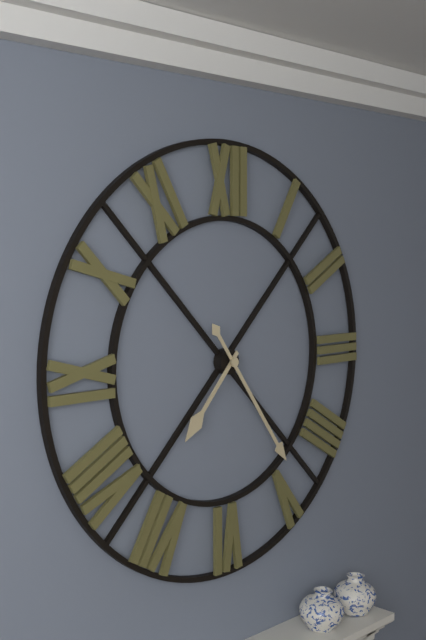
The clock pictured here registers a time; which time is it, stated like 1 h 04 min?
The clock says 7 h 24 min
